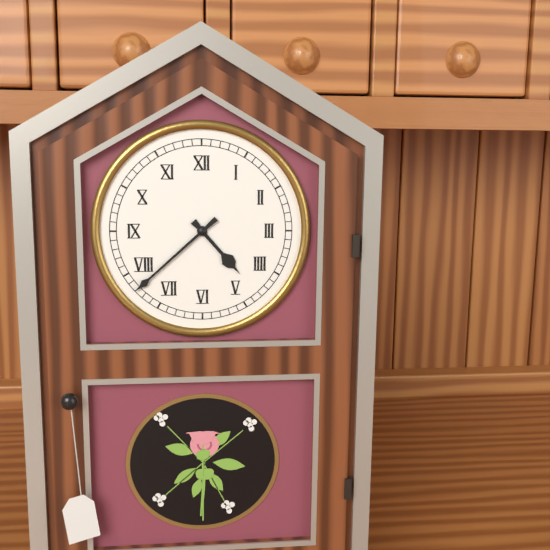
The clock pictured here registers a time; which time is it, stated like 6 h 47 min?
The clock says 4 h 38 min
